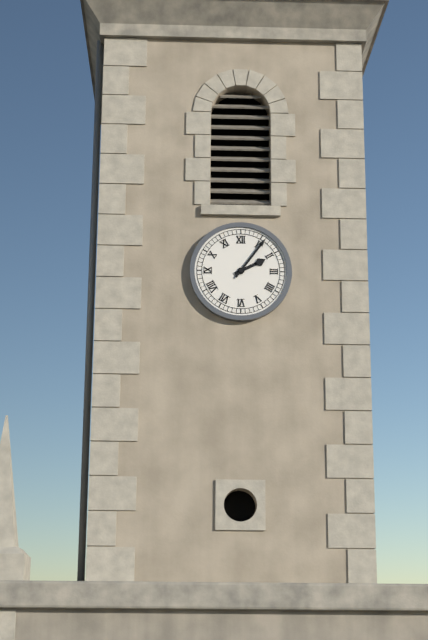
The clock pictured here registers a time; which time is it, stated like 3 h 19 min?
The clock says 2 h 06 min
